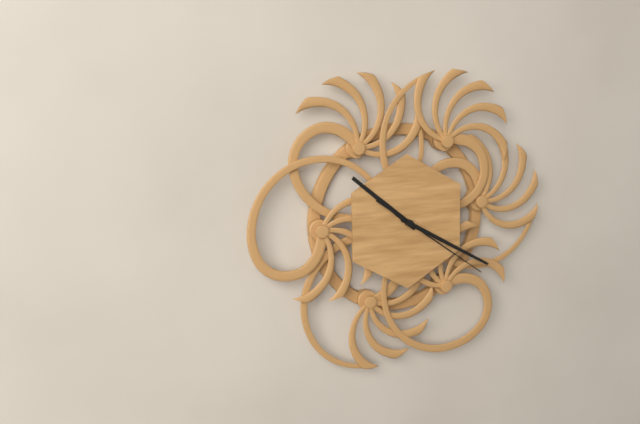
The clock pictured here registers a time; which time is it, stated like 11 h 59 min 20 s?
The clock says 10 h 20 min 21 s
